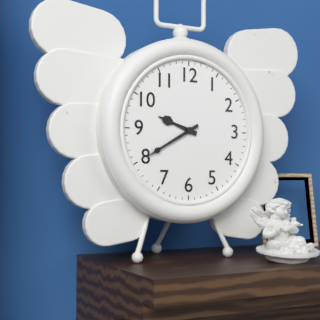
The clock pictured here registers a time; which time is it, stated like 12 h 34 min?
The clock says 9 h 40 min
